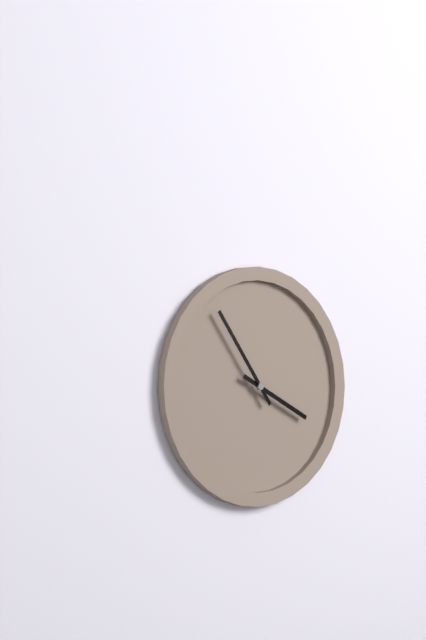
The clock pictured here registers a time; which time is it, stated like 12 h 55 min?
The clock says 3 h 54 min
